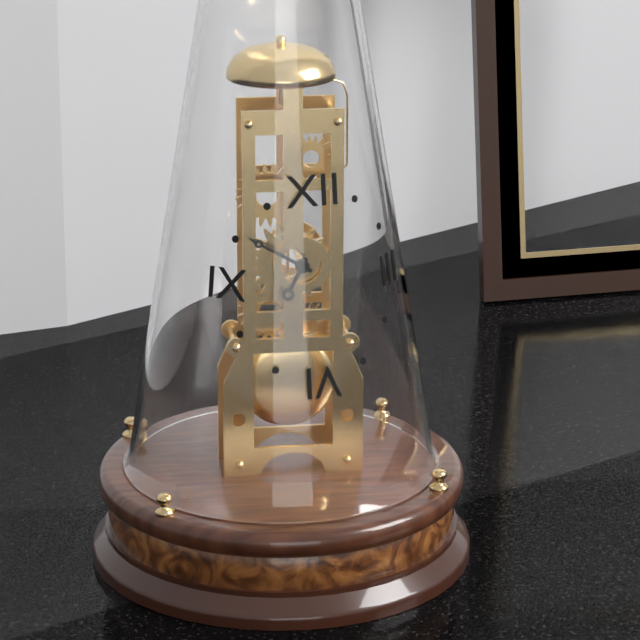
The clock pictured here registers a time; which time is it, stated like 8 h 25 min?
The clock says 6 h 50 min
